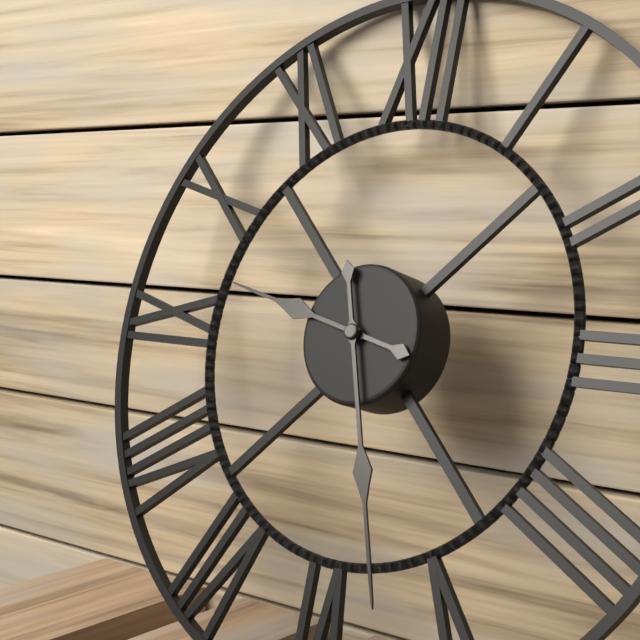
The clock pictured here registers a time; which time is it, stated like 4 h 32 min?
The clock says 9 h 27 min
